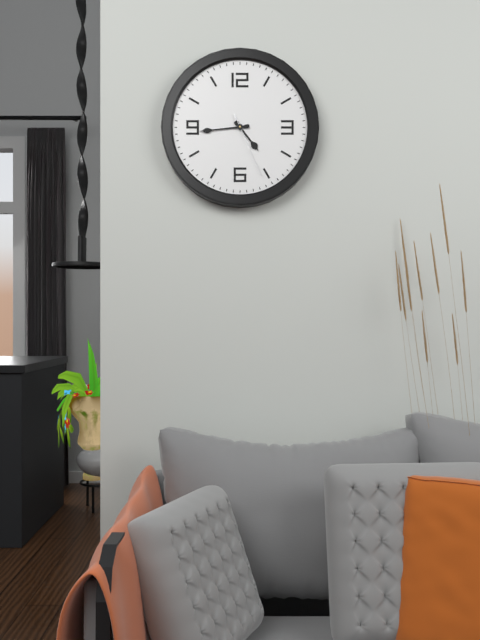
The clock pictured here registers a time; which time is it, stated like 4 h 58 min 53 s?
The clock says 4 h 44 min 26 s
